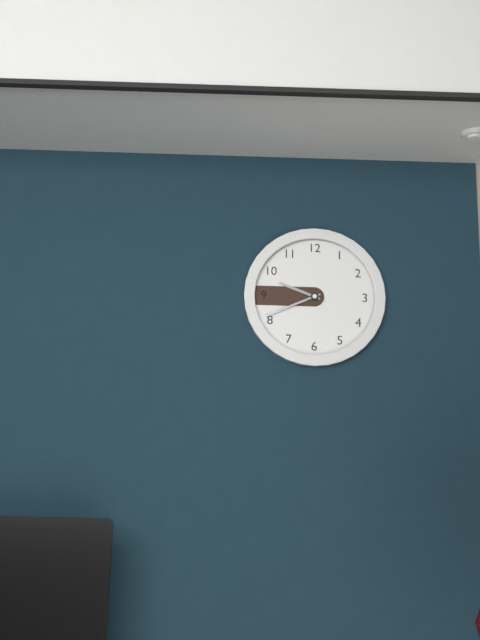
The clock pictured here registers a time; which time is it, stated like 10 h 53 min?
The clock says 9 h 41 min
